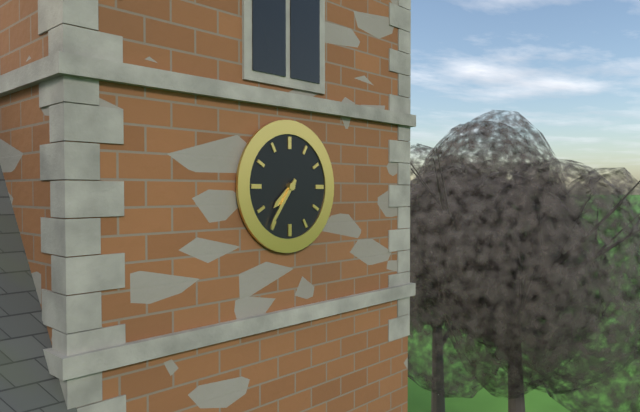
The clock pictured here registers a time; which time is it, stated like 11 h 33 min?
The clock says 7 h 36 min
